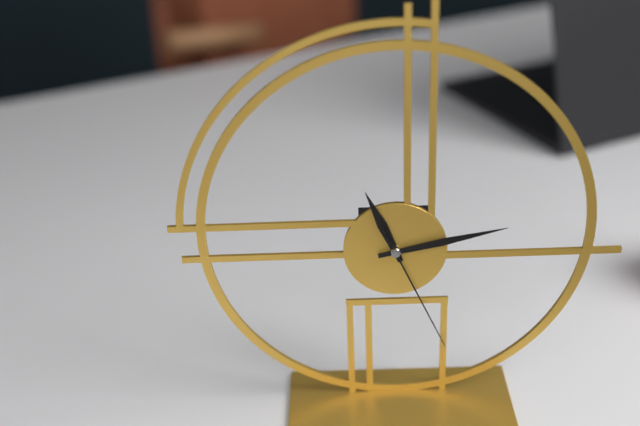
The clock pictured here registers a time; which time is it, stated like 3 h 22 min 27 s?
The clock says 11 h 13 min 26 s
